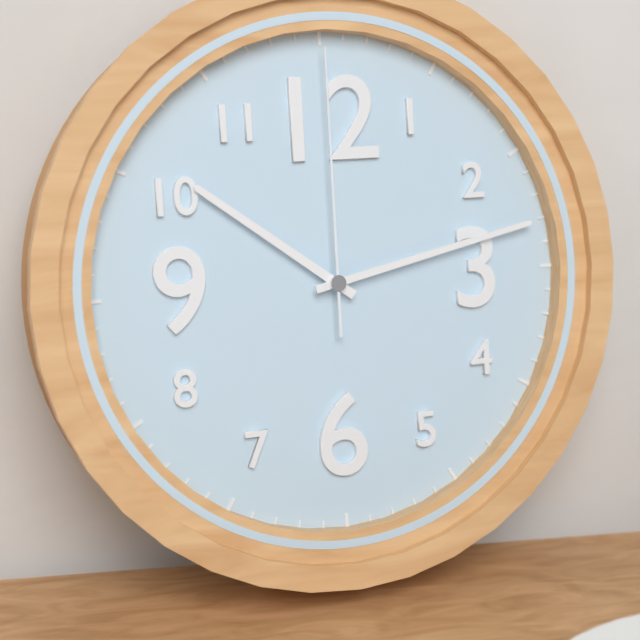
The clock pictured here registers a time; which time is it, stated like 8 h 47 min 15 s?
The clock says 10 h 13 min 00 s
